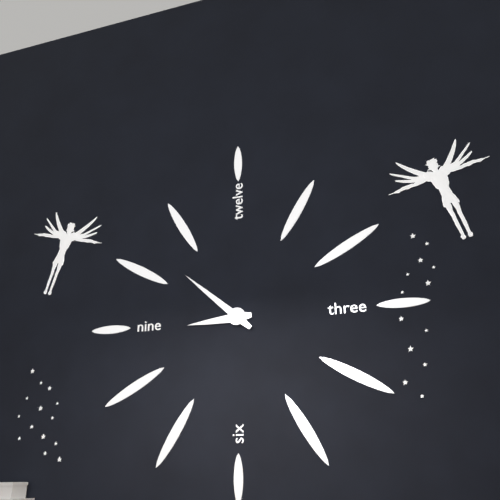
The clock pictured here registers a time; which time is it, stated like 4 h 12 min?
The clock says 8 h 52 min
